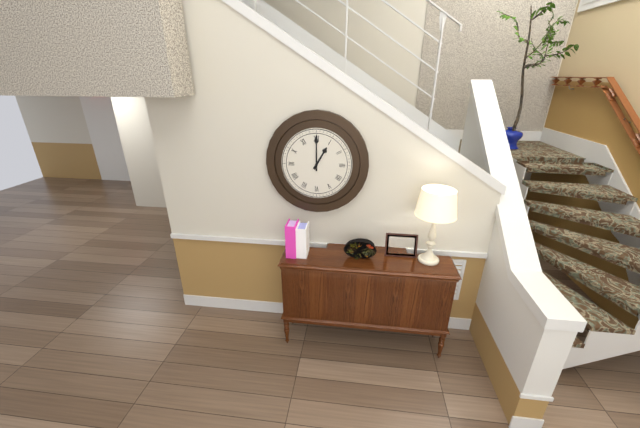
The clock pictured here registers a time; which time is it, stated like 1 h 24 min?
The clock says 1 h 00 min
